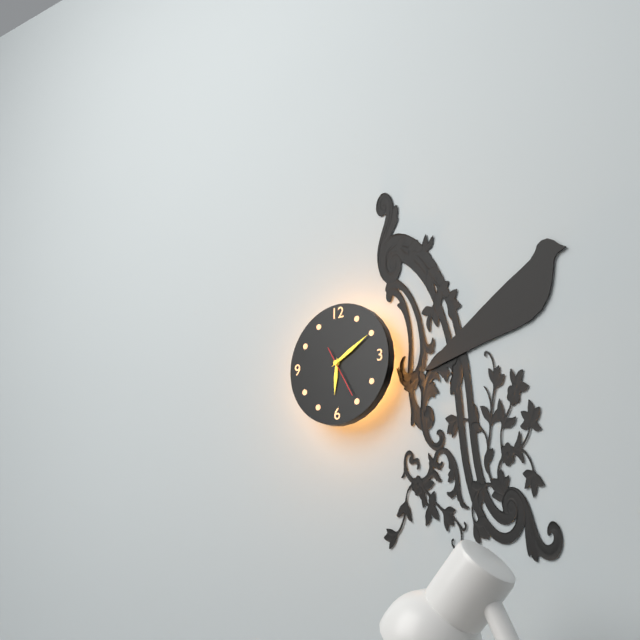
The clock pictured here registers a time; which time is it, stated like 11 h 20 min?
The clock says 6 h 10 min
